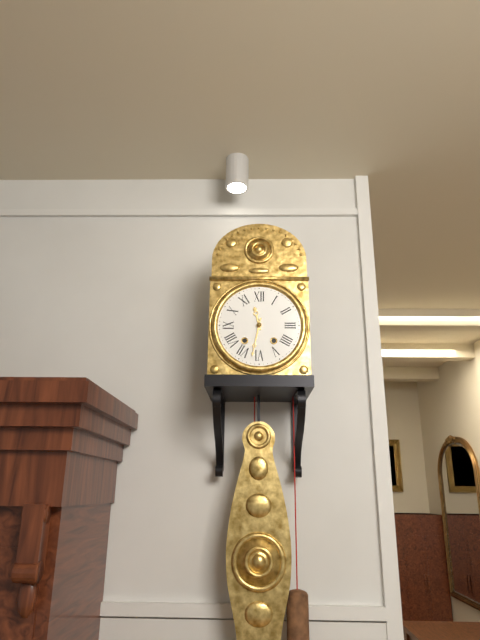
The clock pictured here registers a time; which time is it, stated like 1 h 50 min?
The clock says 11 h 32 min
